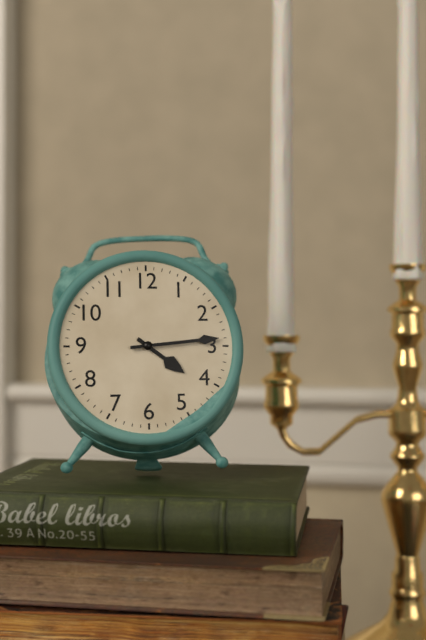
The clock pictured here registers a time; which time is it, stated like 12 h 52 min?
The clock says 4 h 14 min
